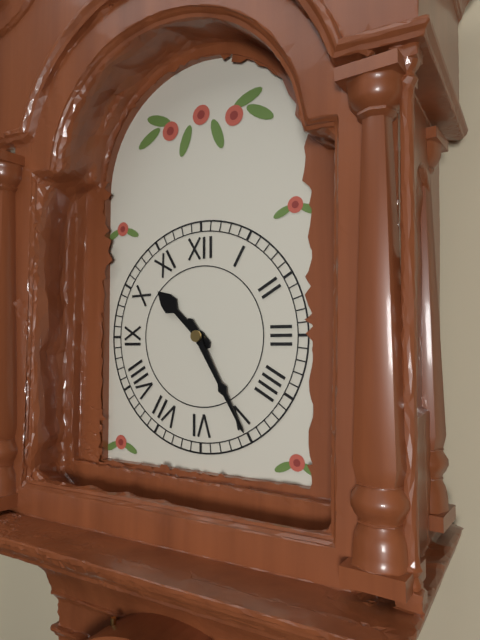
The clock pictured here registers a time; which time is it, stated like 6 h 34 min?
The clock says 10 h 25 min
